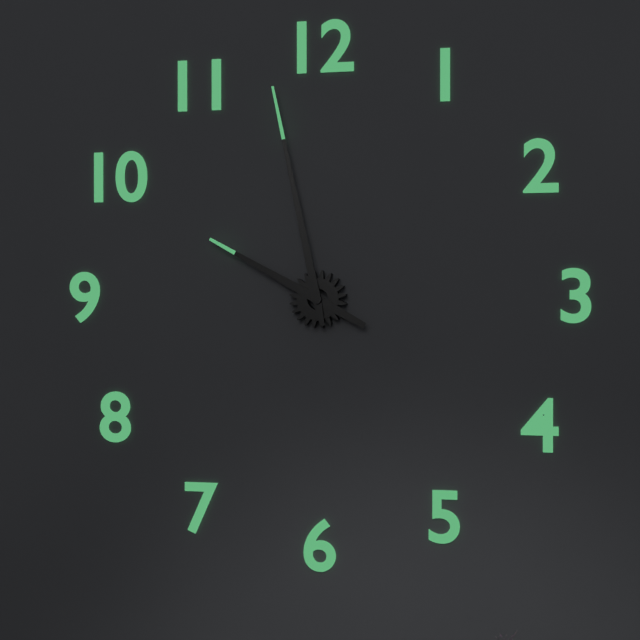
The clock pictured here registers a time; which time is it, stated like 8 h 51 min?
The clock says 9 h 58 min
